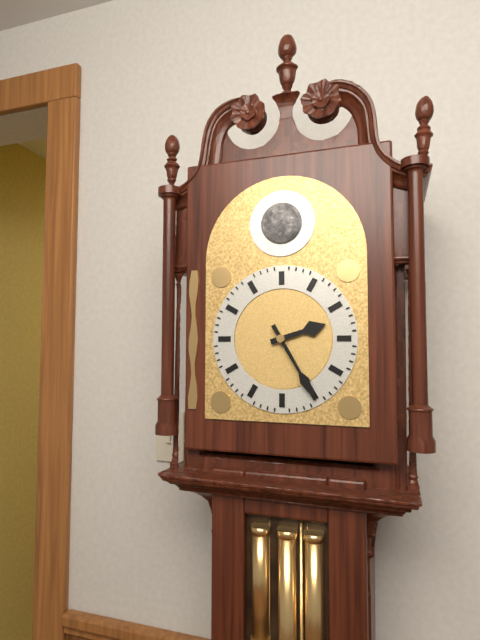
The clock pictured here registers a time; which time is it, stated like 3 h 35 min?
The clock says 2 h 25 min
